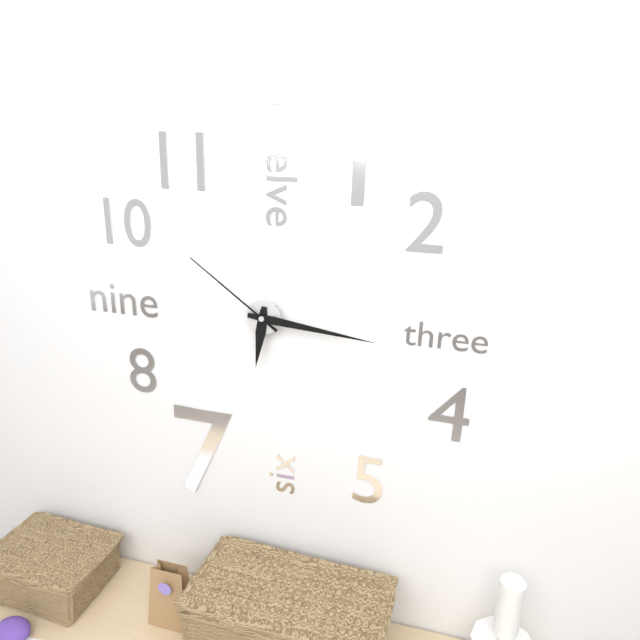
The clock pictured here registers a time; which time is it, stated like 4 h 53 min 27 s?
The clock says 6 h 16 min 51 s
